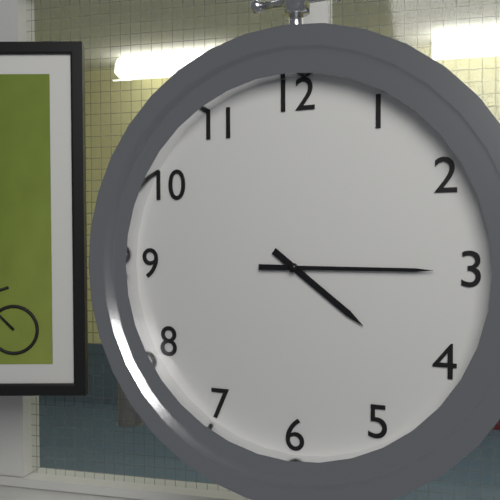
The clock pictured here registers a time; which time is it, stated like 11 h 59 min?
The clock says 4 h 15 min
